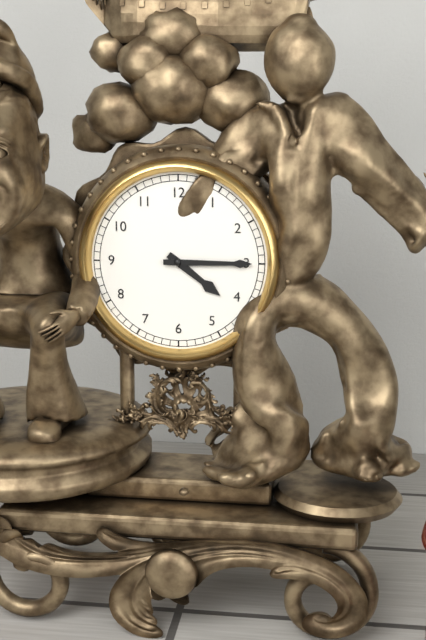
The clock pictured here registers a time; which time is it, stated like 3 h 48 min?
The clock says 4 h 15 min
